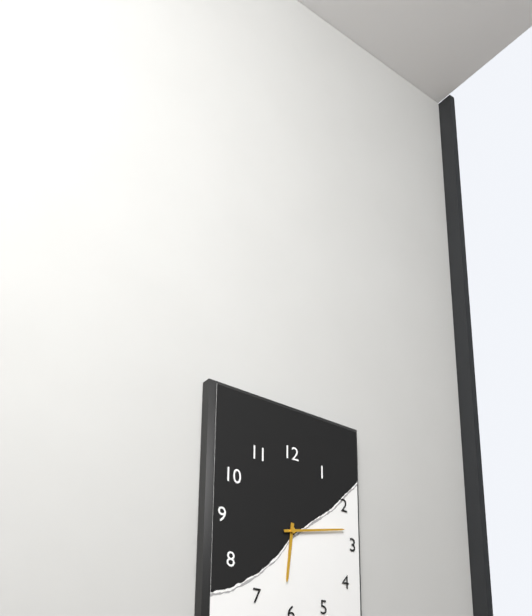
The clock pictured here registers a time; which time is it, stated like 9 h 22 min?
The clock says 6 h 13 min
